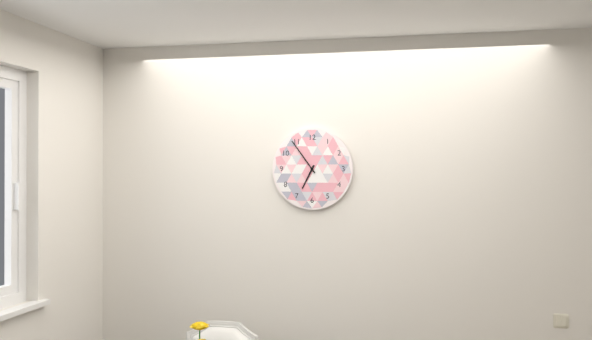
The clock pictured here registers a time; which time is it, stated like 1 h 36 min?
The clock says 6 h 54 min
